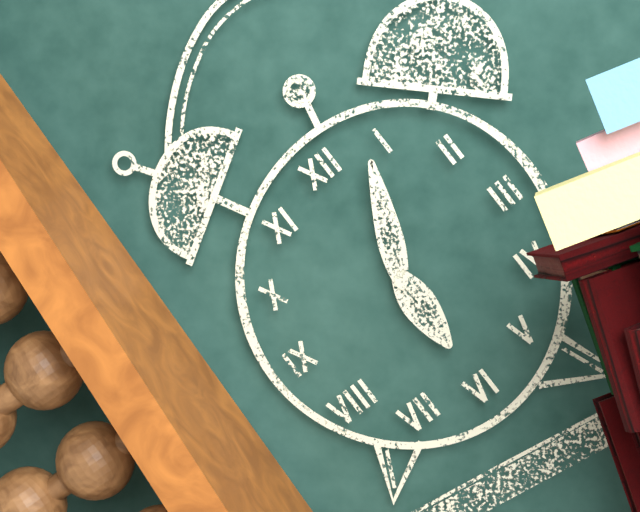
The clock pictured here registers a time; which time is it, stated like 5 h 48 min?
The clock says 6 h 04 min
